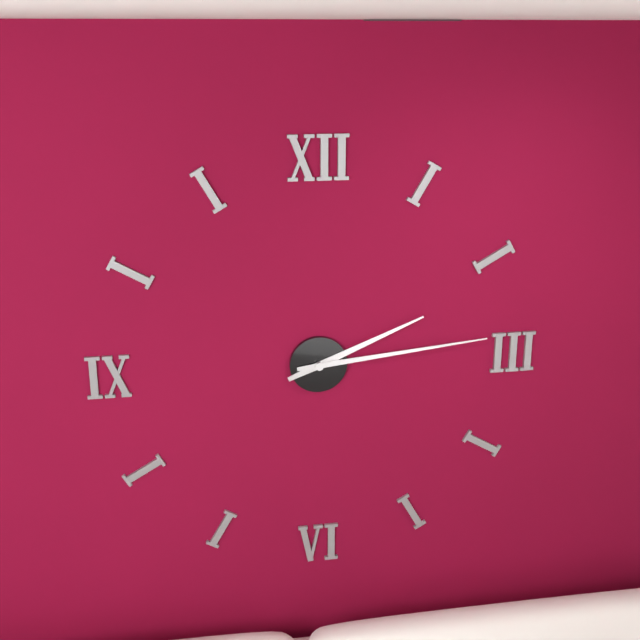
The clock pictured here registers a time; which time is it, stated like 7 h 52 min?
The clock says 2 h 14 min
